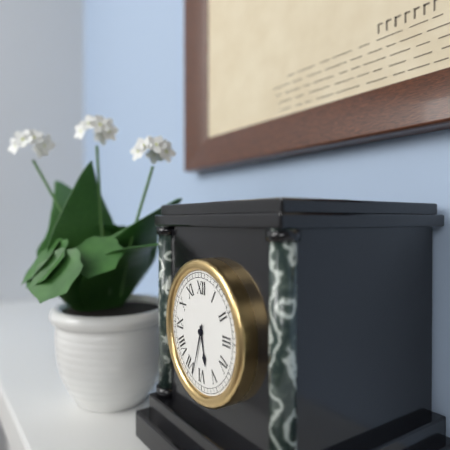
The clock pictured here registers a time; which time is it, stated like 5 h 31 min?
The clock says 5 h 33 min
